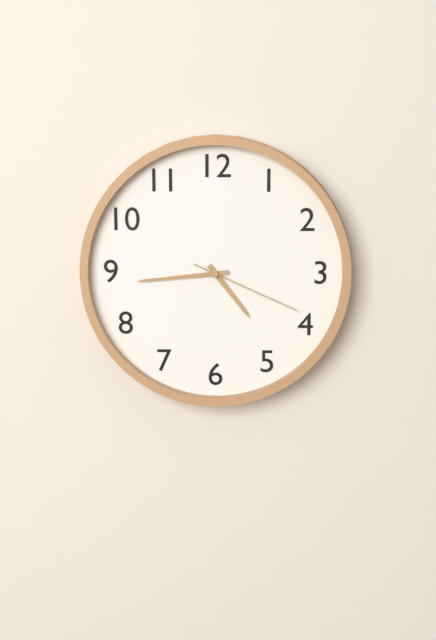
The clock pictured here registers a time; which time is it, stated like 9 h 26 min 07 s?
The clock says 4 h 44 min 19 s
